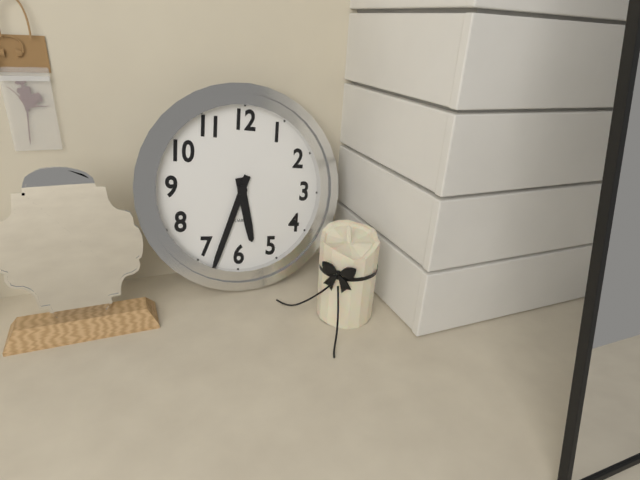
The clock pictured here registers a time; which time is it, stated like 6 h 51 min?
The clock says 5 h 33 min
